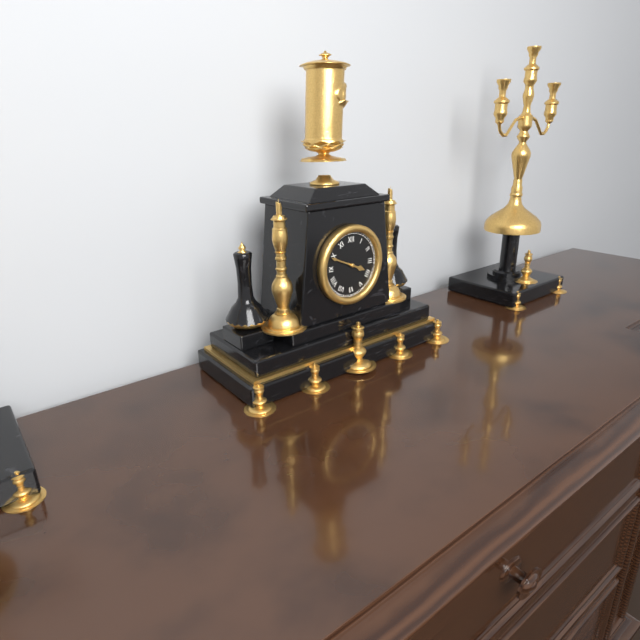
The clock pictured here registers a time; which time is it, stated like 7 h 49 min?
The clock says 3 h 49 min
